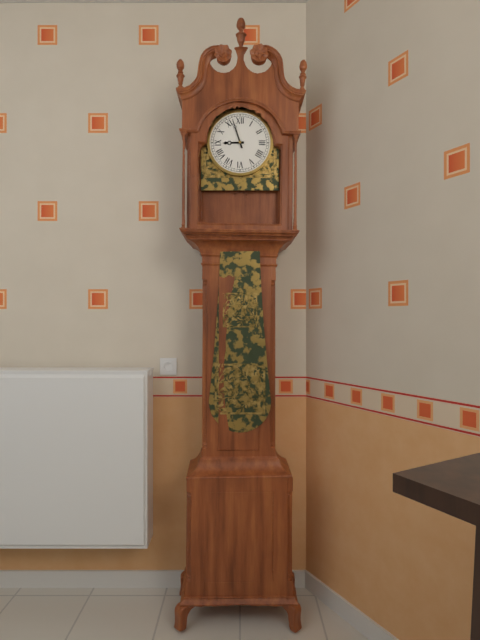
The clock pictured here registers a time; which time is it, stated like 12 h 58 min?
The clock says 8 h 57 min
